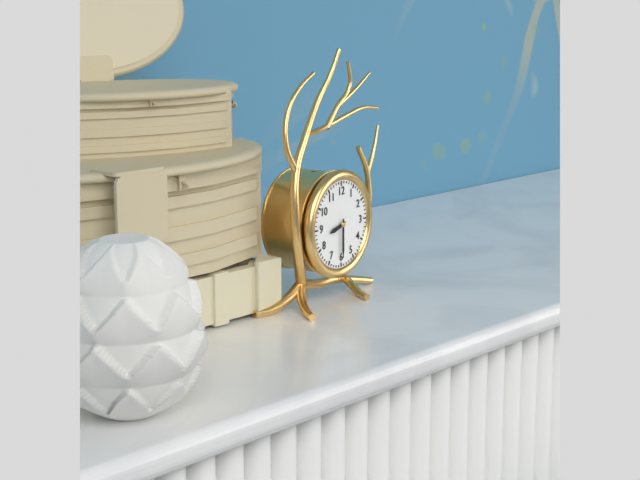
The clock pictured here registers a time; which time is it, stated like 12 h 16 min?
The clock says 8 h 30 min
